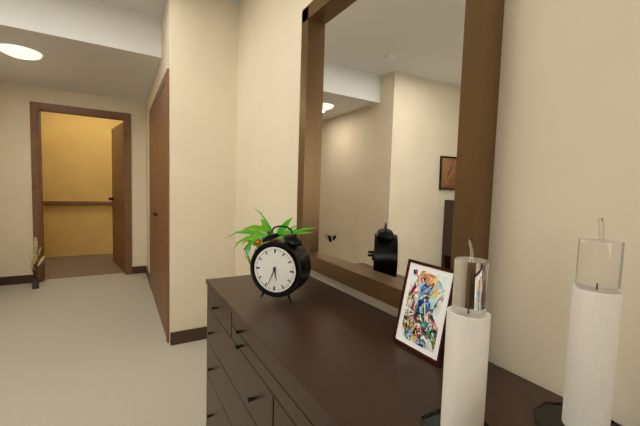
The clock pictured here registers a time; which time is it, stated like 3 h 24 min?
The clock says 5 h 34 min
